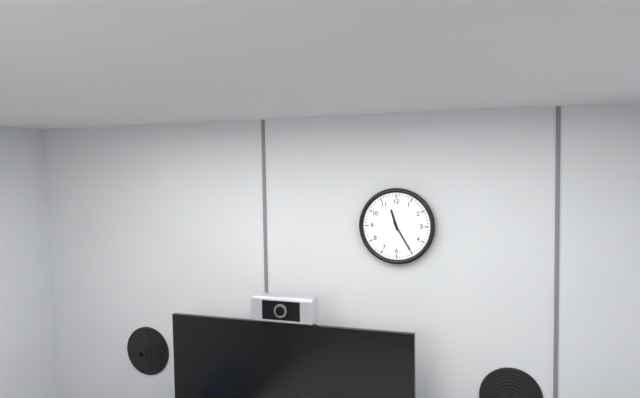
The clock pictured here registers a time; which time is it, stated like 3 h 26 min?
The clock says 11 h 25 min
